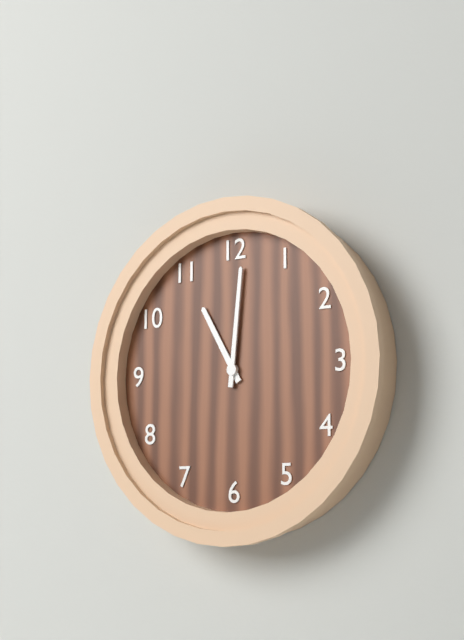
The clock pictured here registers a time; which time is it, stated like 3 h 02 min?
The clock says 11 h 01 min
